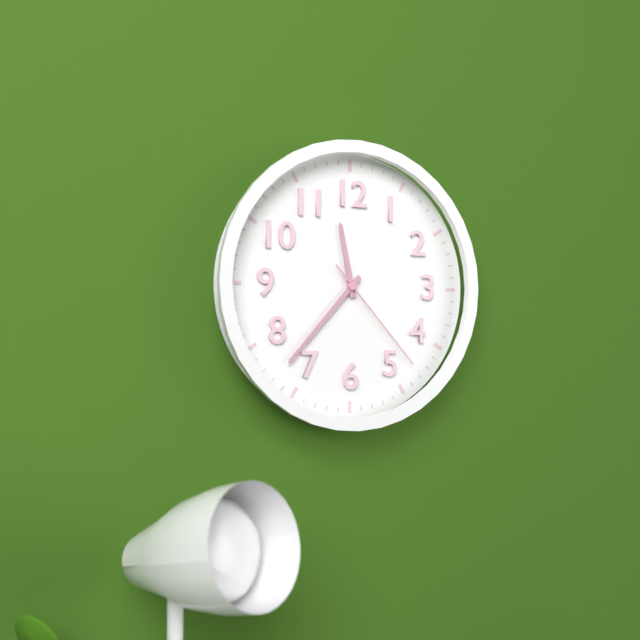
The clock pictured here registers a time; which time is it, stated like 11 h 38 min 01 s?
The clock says 11 h 37 min 23 s
